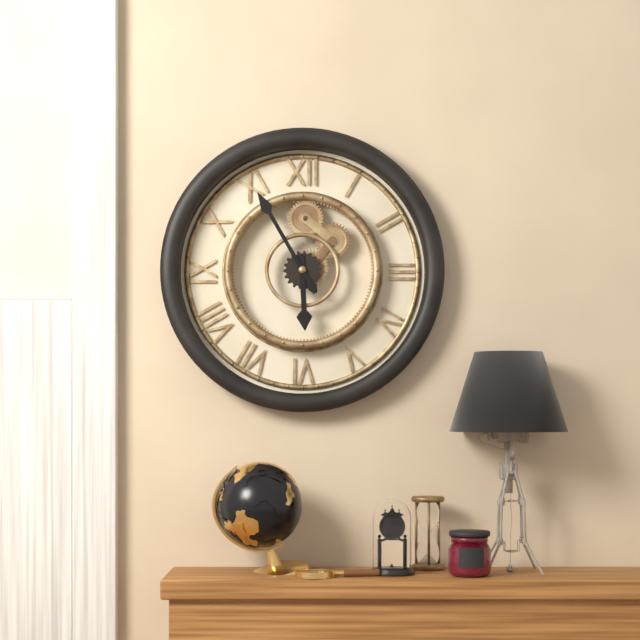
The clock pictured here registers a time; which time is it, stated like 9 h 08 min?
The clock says 5 h 55 min
